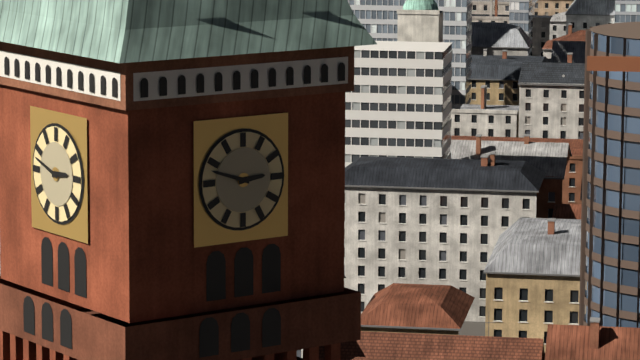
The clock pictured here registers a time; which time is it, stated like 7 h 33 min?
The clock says 2 h 48 min
